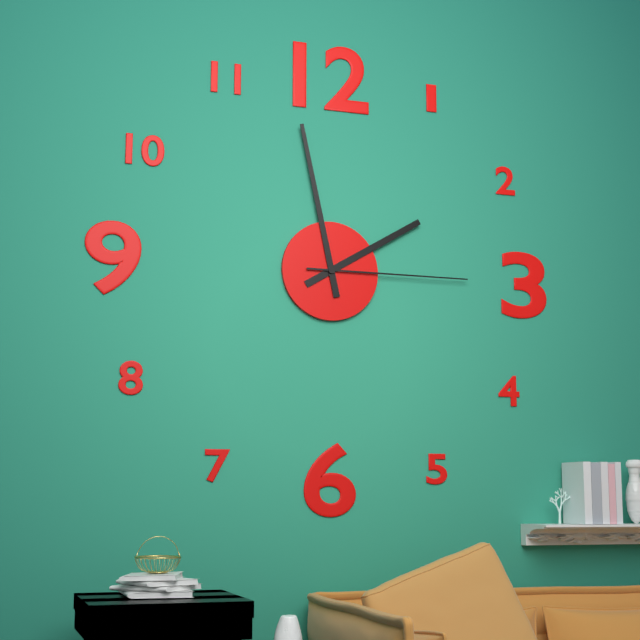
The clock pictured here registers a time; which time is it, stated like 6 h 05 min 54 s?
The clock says 1 h 58 min 15 s
